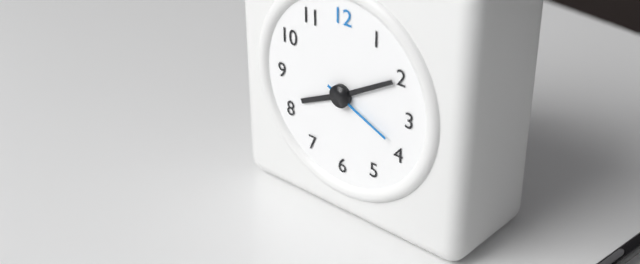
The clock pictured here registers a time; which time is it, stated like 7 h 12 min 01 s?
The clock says 8 h 10 min 19 s
